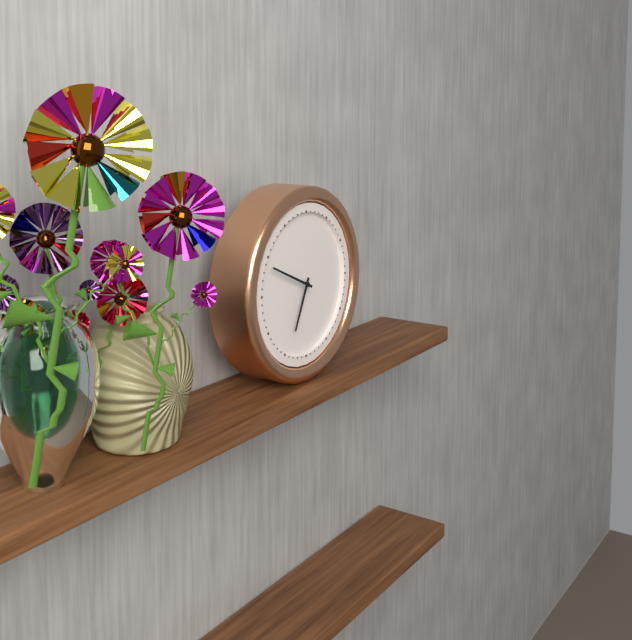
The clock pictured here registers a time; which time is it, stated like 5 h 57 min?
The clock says 6 h 49 min
